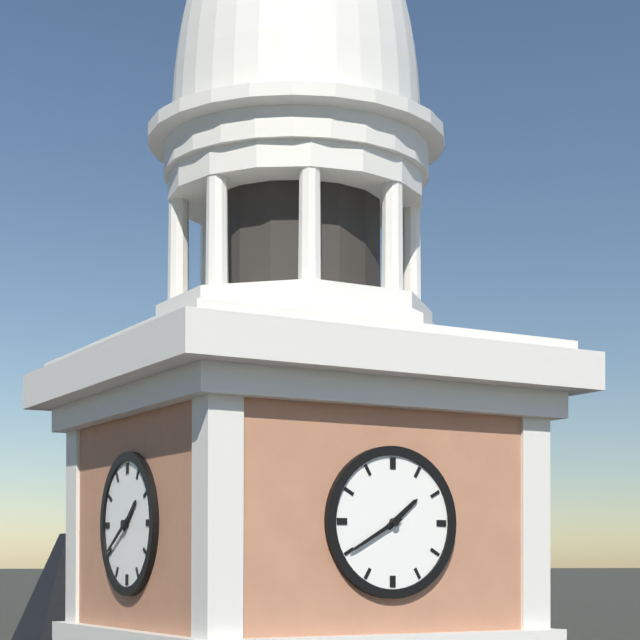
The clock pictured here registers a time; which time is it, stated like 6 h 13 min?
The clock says 1 h 40 min
